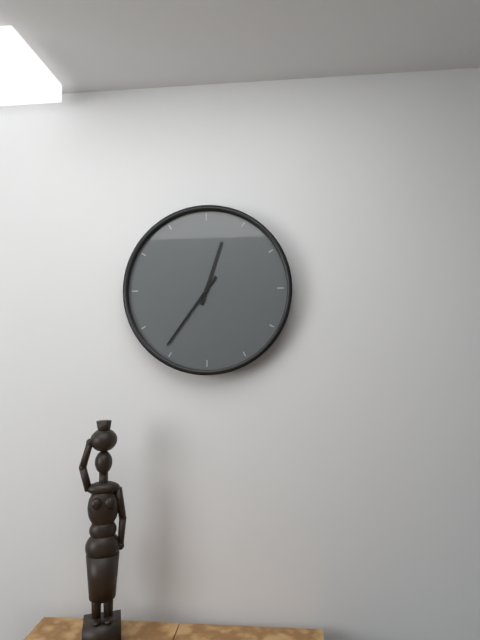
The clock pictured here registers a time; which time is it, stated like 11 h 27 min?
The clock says 12 h 36 min
